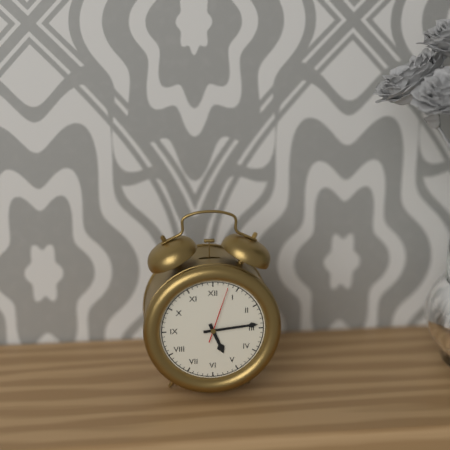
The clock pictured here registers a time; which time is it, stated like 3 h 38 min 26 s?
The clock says 5 h 14 min 03 s
